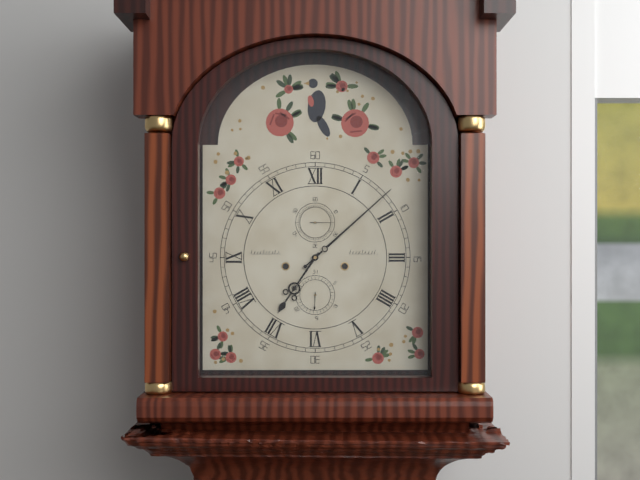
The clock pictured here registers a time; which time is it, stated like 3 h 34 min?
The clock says 7 h 08 min
